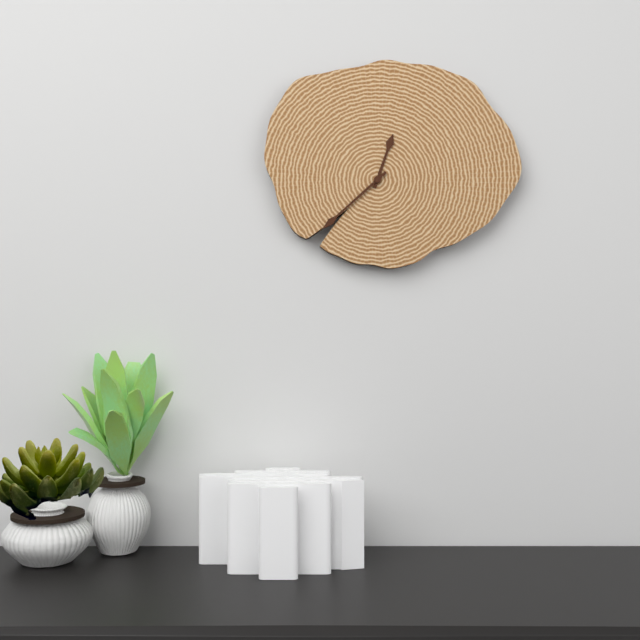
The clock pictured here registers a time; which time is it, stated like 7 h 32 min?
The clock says 12 h 38 min
